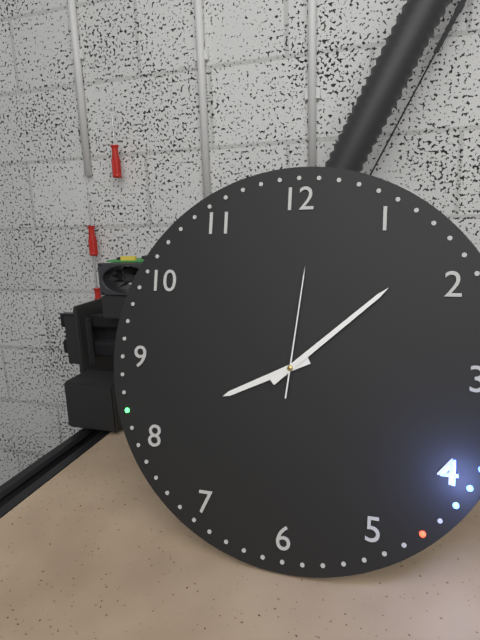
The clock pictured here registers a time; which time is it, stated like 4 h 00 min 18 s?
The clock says 8 h 08 min 01 s
